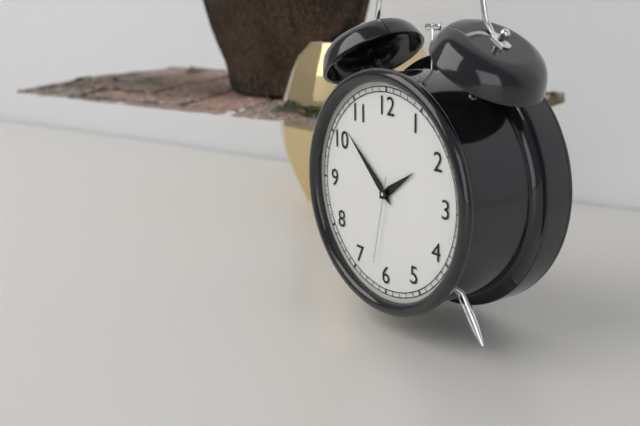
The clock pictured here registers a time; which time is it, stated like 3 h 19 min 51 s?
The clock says 1 h 52 min 32 s
